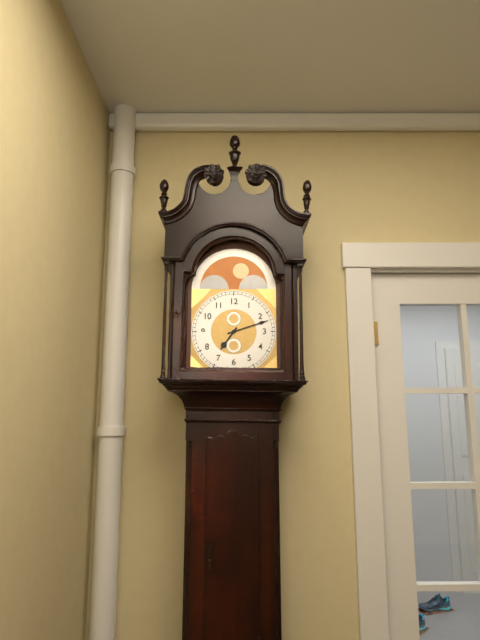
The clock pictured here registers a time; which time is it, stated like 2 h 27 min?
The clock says 7 h 12 min
